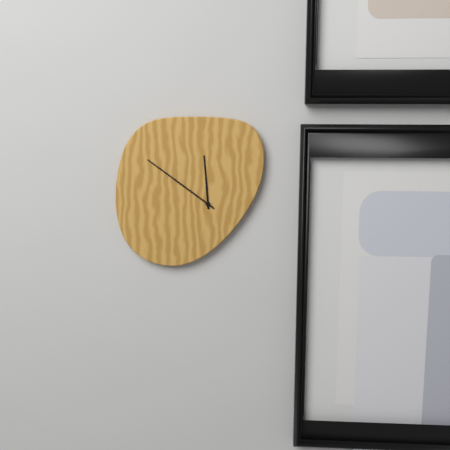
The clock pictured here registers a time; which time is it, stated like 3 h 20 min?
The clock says 11 h 51 min
